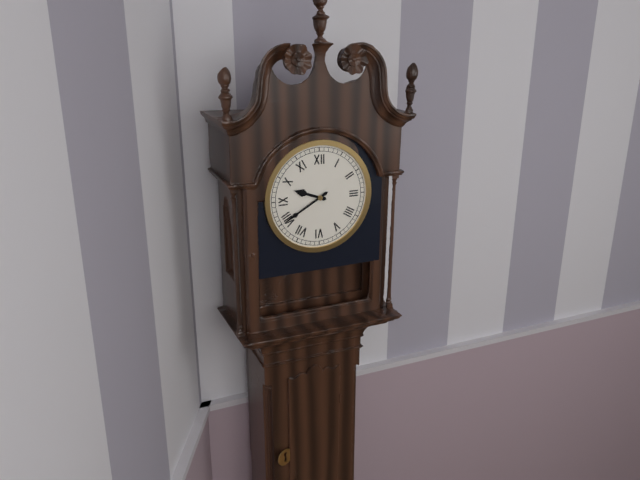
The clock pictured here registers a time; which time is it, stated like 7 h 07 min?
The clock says 9 h 40 min
